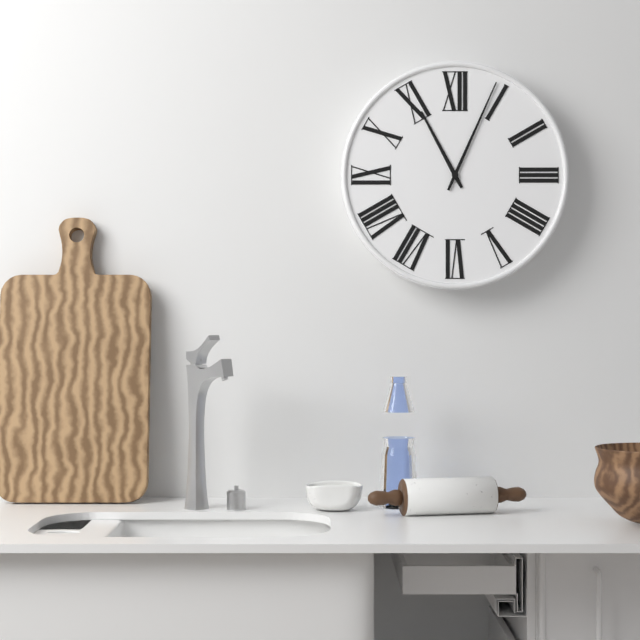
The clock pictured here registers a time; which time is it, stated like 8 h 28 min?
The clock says 11 h 04 min
